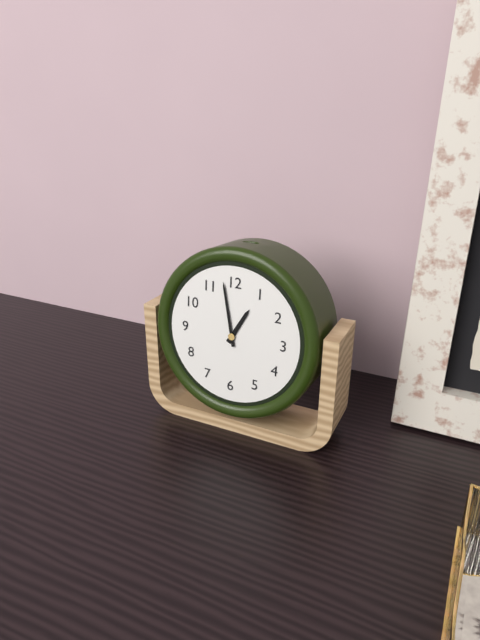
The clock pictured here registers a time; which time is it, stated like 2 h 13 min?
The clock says 12 h 58 min
